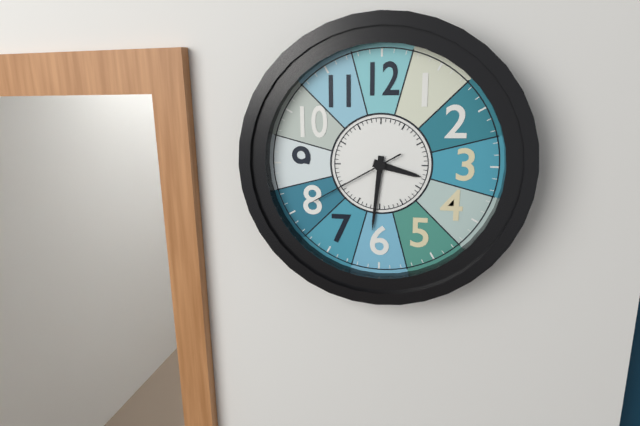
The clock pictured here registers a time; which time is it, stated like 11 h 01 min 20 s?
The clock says 3 h 31 min 40 s
